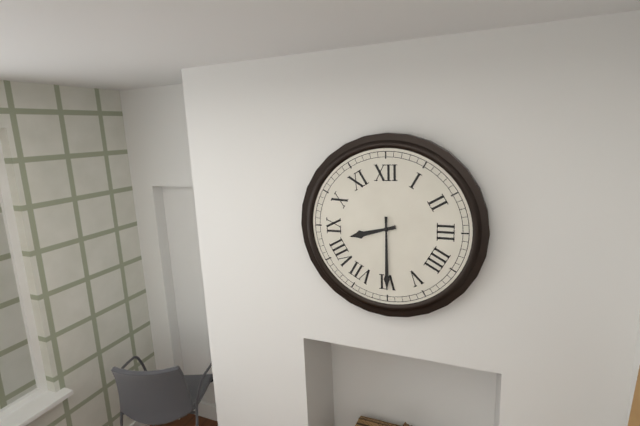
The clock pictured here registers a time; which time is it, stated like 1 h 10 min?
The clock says 8 h 30 min
